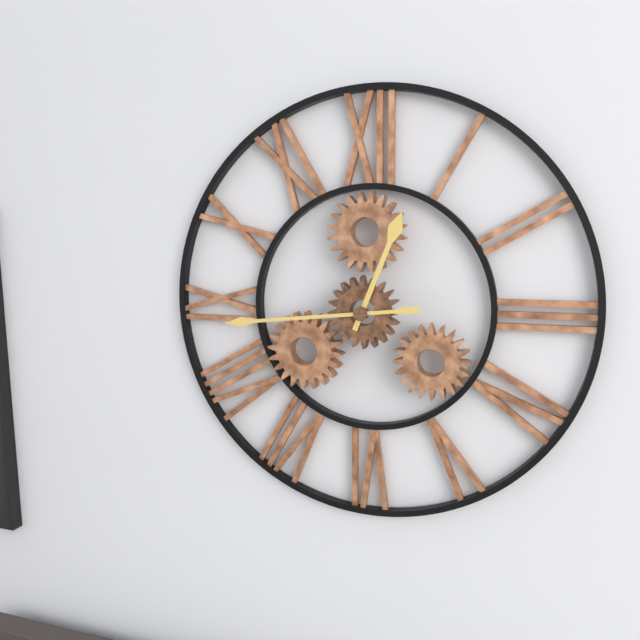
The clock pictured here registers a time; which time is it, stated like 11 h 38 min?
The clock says 12 h 44 min
